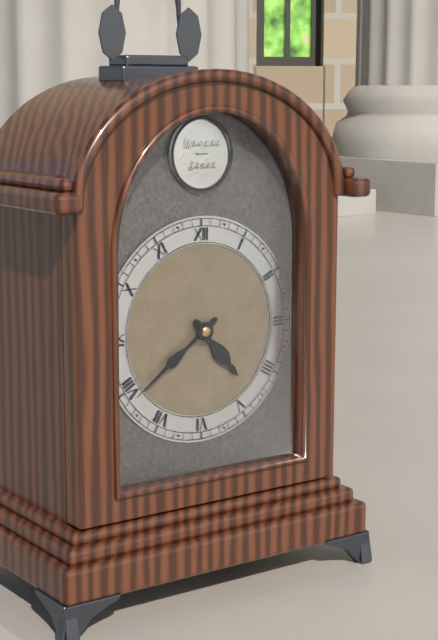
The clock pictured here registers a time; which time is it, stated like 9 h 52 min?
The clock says 4 h 39 min
